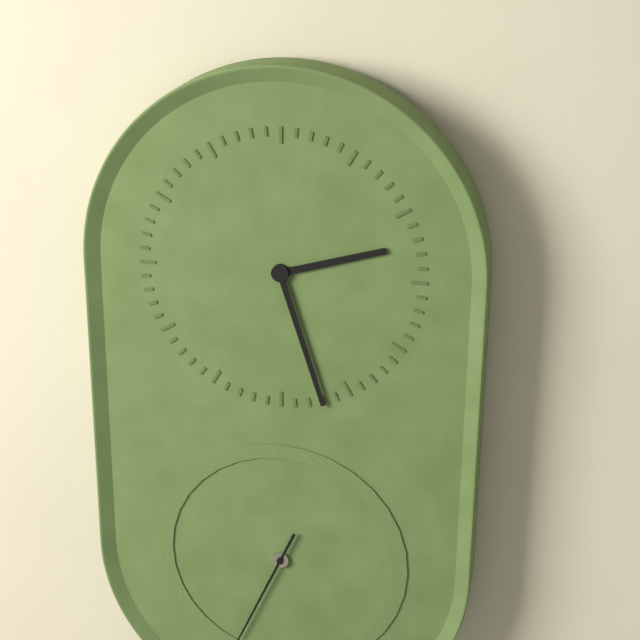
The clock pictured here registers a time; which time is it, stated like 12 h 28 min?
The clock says 2 h 27 min
